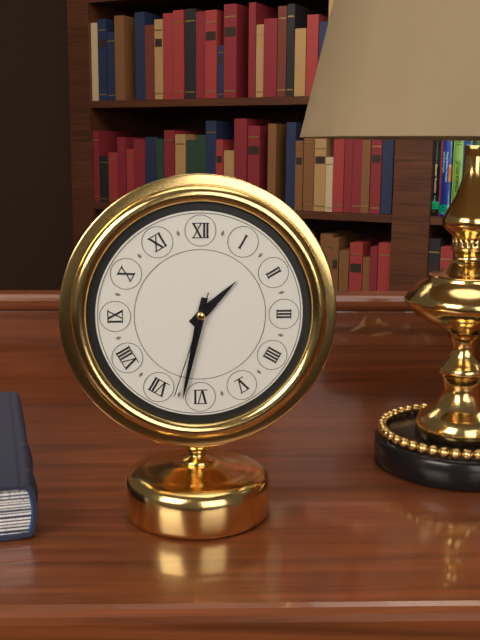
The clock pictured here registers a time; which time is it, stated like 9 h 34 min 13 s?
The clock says 1 h 32 min 33 s
